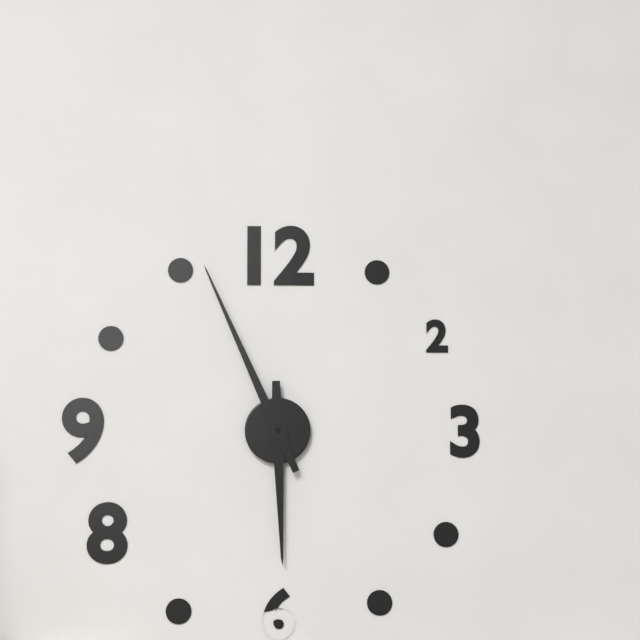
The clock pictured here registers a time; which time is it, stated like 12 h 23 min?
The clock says 5 h 56 min
